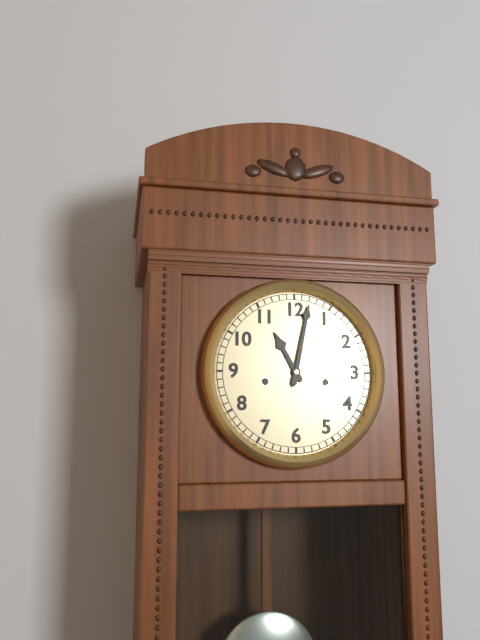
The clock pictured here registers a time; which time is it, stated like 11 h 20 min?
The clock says 11 h 02 min
